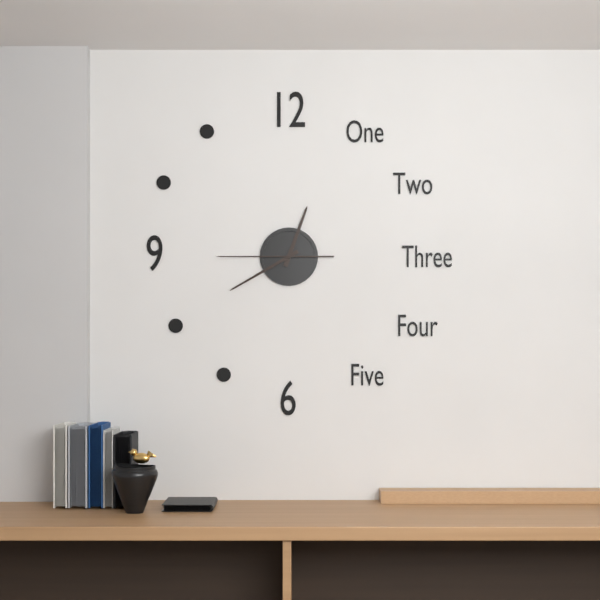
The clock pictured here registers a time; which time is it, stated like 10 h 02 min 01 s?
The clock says 12 h 40 min 45 s
